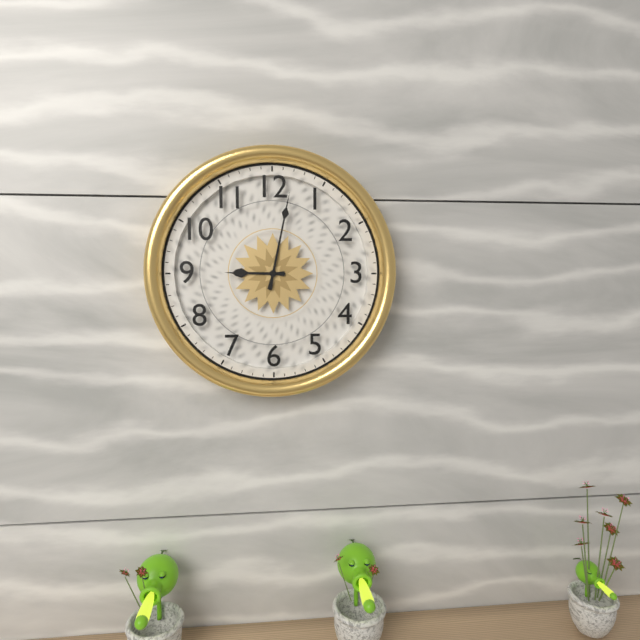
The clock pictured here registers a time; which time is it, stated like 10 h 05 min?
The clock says 9 h 02 min
